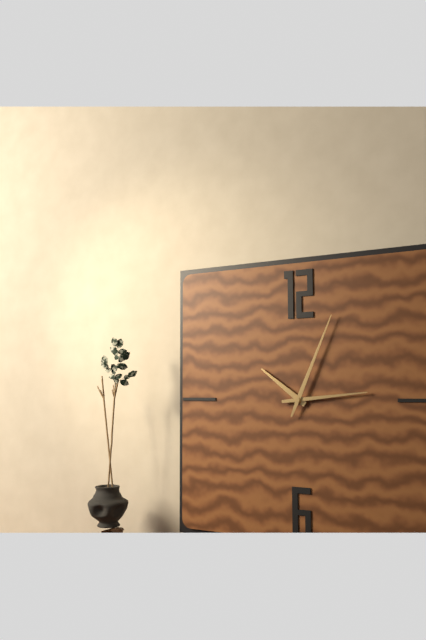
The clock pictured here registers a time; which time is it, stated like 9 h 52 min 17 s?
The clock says 10 h 14 min 04 s
